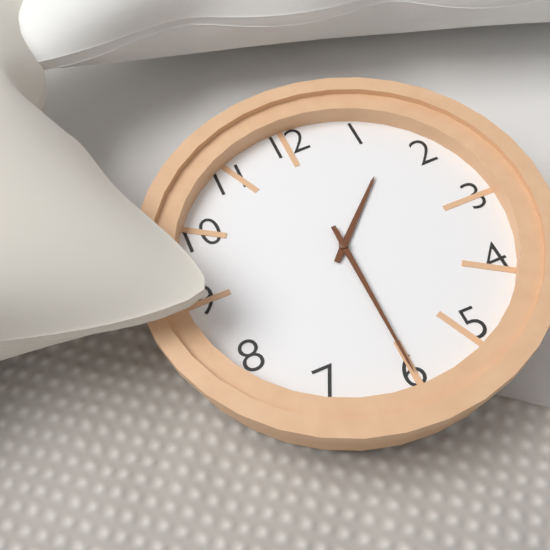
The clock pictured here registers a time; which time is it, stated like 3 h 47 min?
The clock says 1 h 30 min
